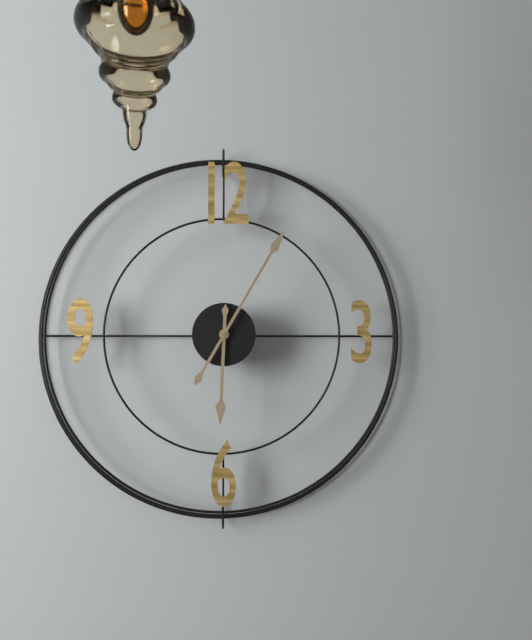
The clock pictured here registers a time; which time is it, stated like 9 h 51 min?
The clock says 6 h 05 min
